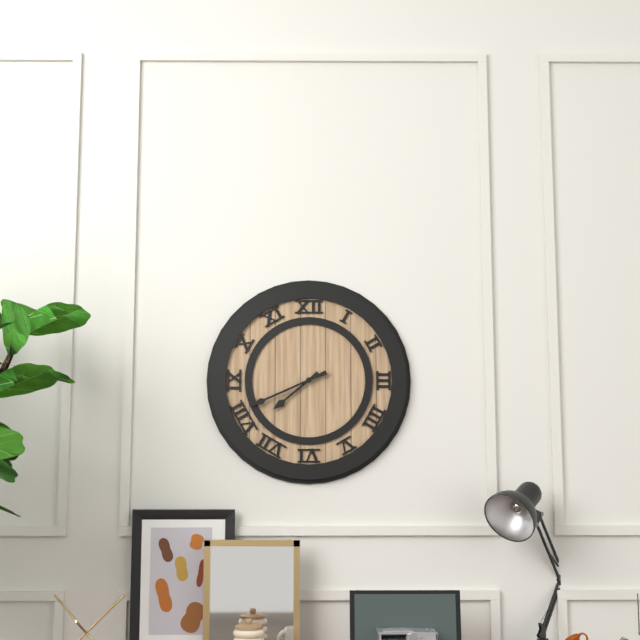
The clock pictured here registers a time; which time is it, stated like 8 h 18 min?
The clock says 7 h 41 min
